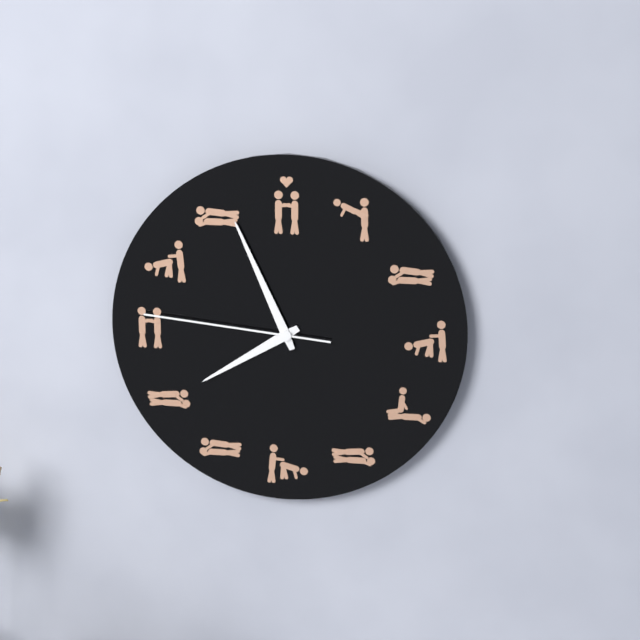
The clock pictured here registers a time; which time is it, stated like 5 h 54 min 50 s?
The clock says 7 h 56 min 46 s
